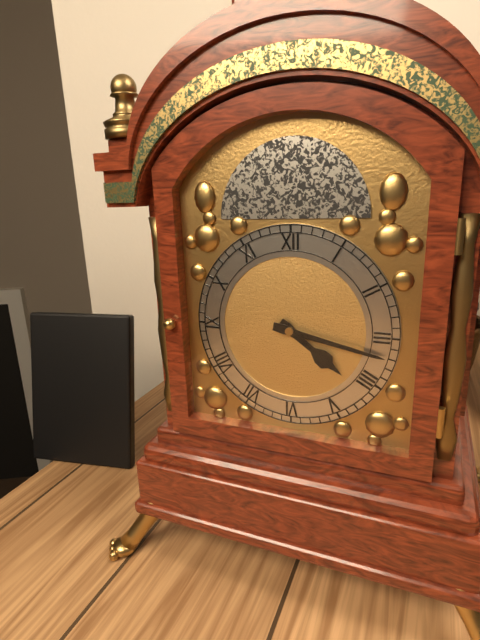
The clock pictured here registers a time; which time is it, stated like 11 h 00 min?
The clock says 4 h 17 min
